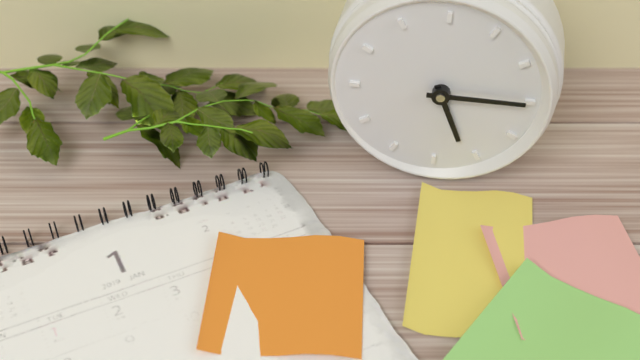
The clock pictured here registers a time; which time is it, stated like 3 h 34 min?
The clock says 5 h 15 min
